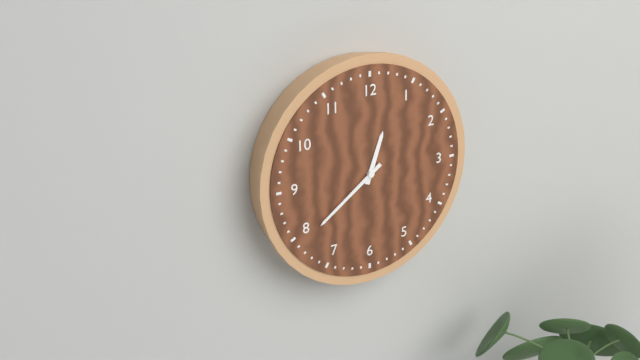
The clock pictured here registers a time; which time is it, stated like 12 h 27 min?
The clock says 12 h 39 min
